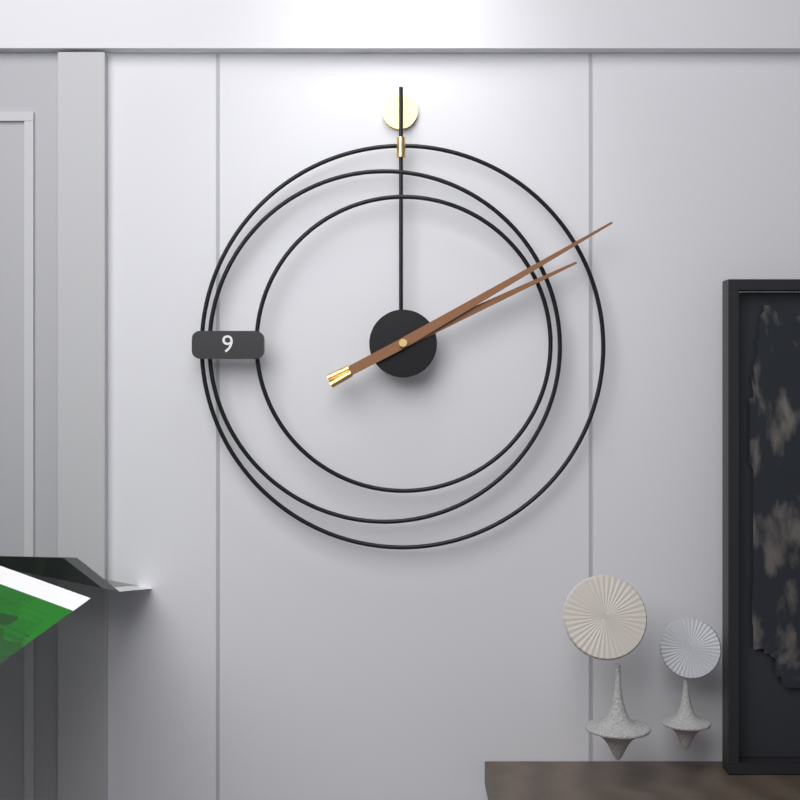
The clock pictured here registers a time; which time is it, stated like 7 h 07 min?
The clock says 2 h 10 min
